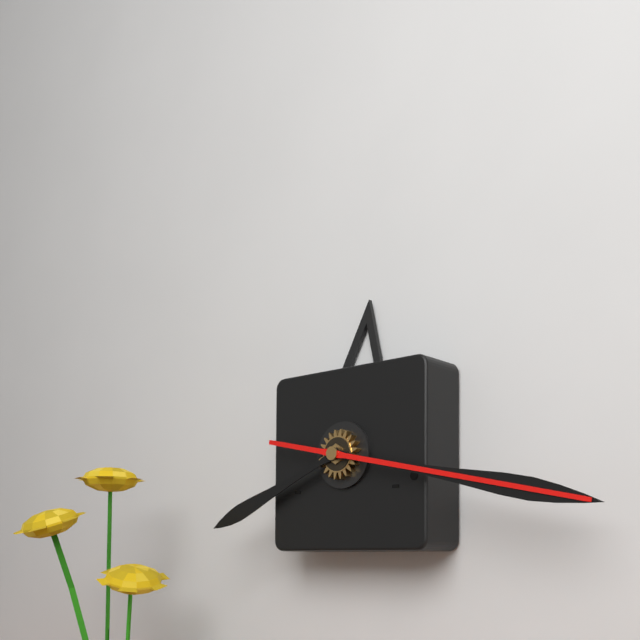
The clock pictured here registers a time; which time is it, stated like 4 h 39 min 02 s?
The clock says 8 h 17 min 17 s
